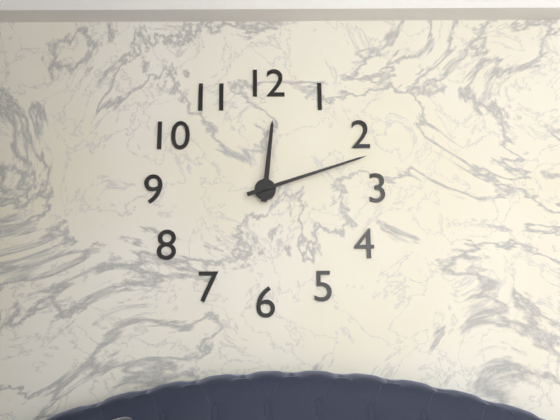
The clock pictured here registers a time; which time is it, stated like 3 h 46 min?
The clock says 12 h 12 min
